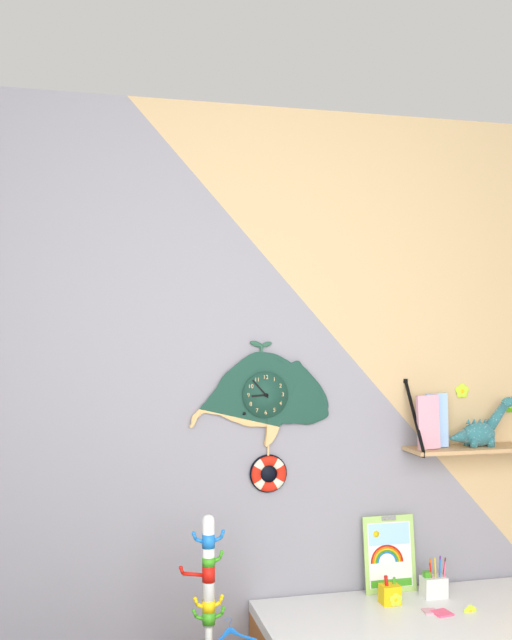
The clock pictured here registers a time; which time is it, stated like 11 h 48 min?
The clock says 8 h 53 min
